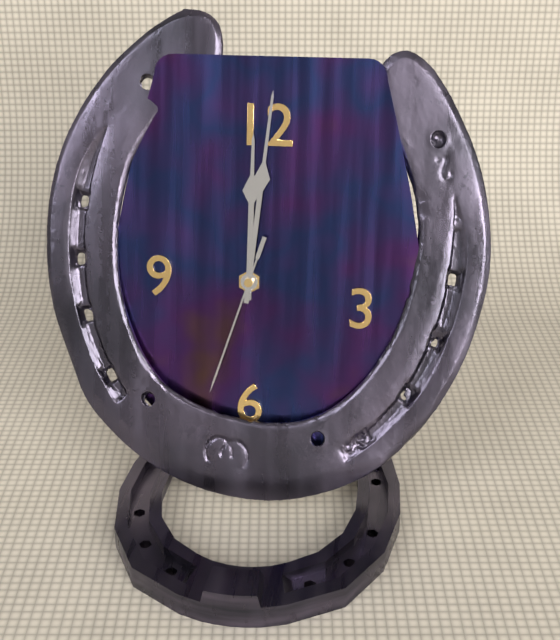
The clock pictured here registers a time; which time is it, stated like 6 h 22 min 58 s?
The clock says 12 h 01 min 33 s
